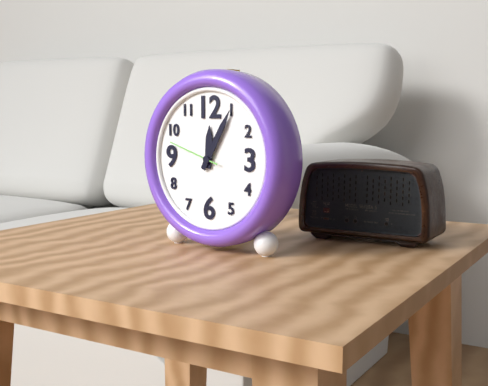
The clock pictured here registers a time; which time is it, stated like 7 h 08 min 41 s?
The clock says 12 h 05 min 48 s
